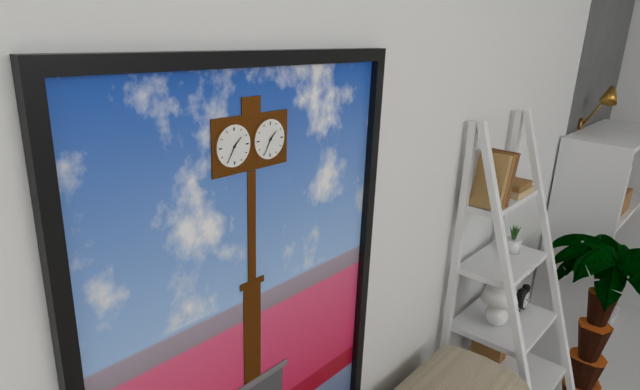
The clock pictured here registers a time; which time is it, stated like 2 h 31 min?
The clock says 1 h 35 min
